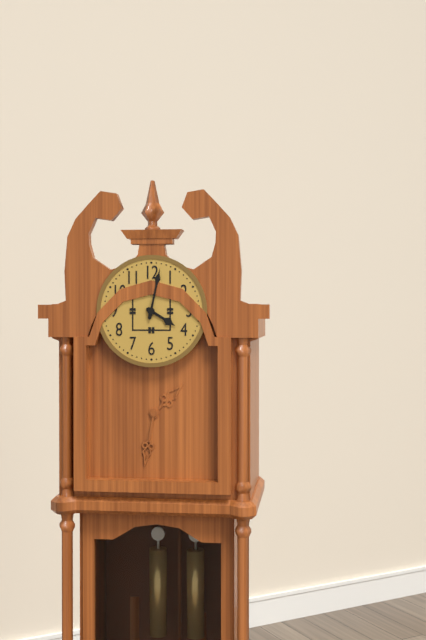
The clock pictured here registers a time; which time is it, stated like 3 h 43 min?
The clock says 4 h 02 min
